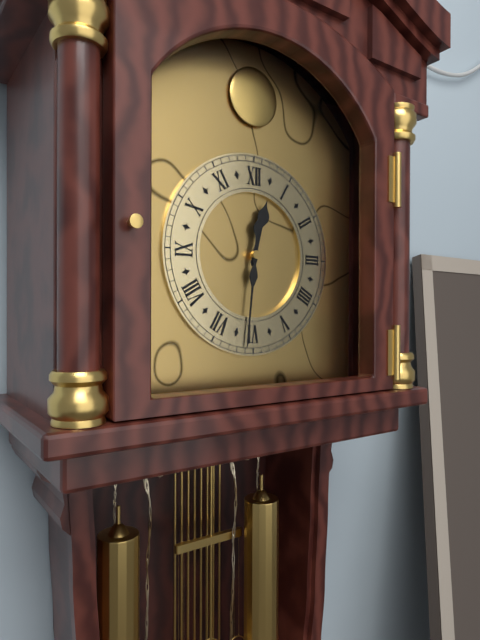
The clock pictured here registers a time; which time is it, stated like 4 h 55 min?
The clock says 12 h 31 min
